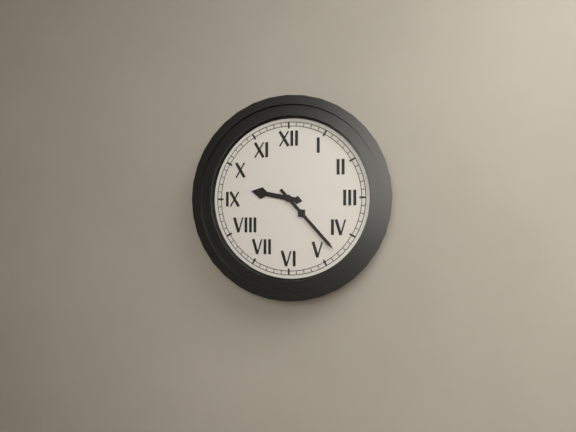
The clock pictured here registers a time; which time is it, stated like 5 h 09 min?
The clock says 9 h 23 min
